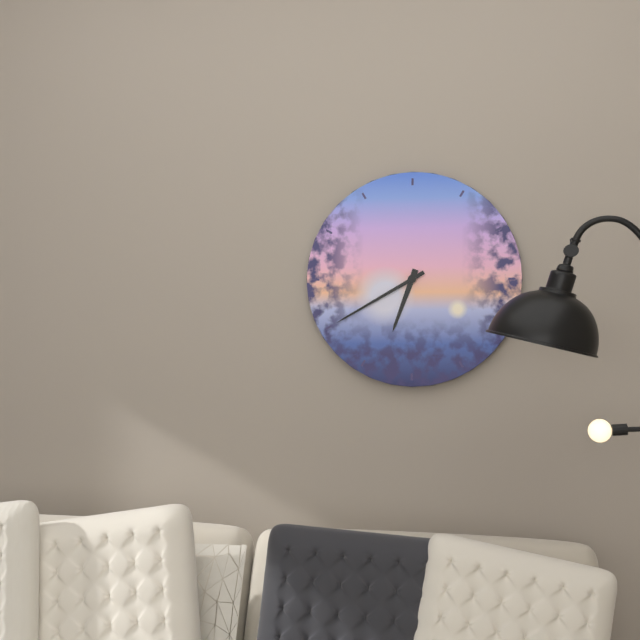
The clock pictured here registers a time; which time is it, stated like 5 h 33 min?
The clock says 6 h 40 min
